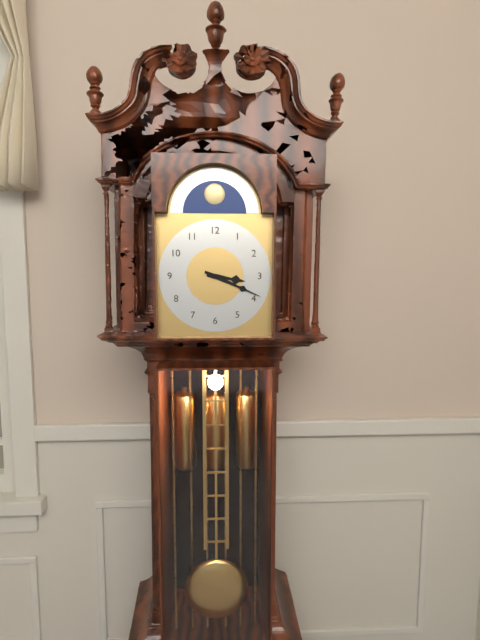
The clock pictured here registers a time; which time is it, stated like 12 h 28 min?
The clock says 3 h 19 min
